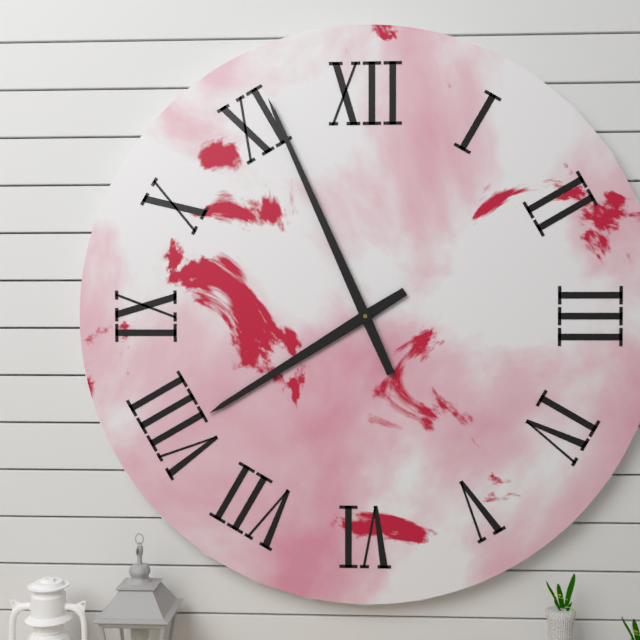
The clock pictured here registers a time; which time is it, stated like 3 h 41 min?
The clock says 7 h 56 min
